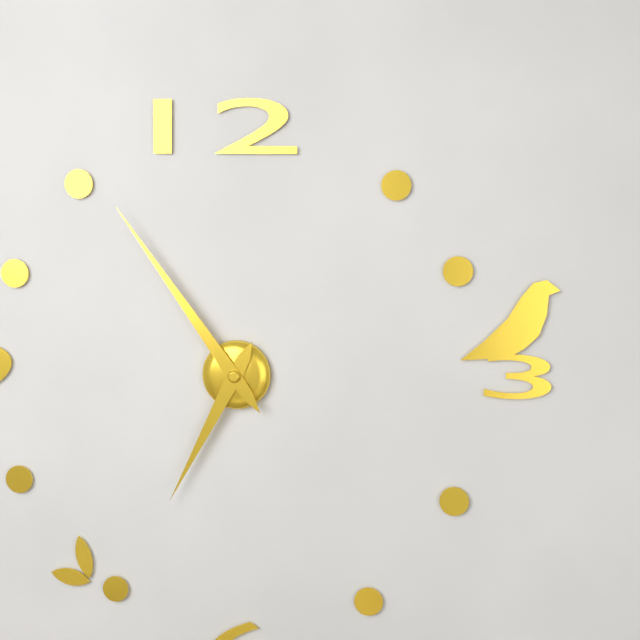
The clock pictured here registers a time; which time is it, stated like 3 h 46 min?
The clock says 6 h 54 min
